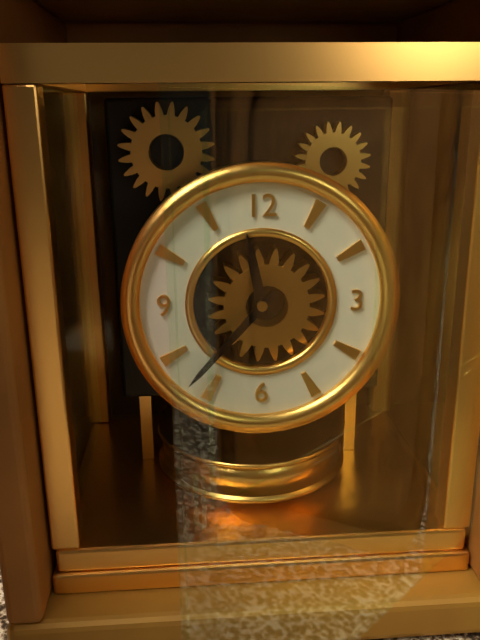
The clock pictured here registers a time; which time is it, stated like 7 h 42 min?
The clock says 11 h 37 min
